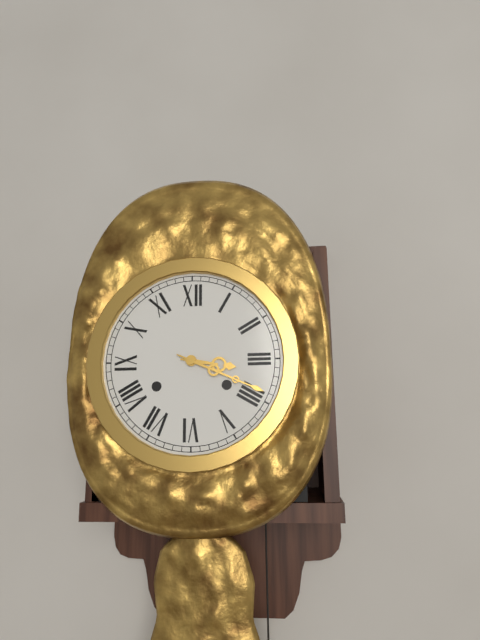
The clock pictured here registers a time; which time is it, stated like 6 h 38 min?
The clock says 3 h 19 min
